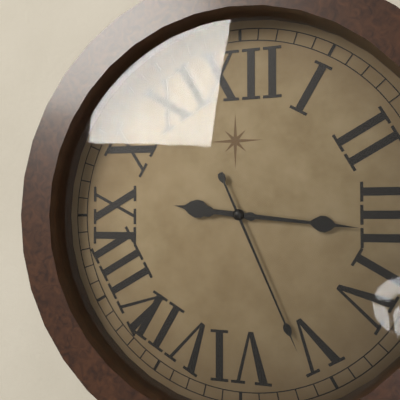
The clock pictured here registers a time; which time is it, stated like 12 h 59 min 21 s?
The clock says 9 h 16 min 26 s
